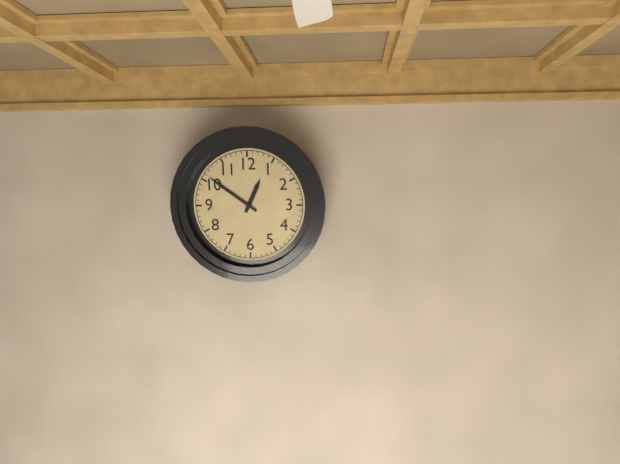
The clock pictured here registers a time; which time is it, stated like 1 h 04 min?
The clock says 12 h 51 min
